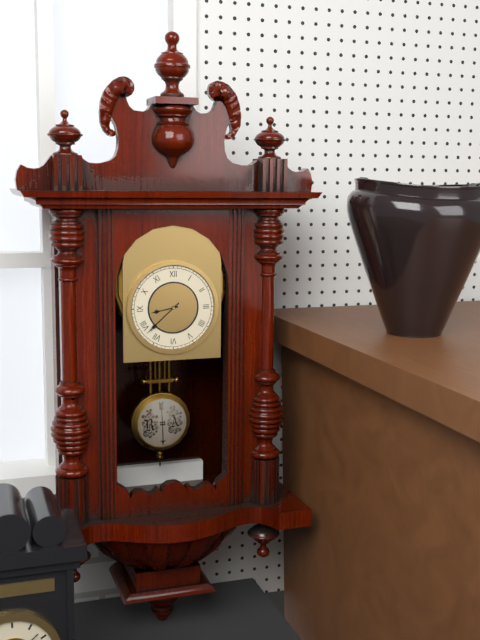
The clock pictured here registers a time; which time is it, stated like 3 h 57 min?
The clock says 8 h 38 min
